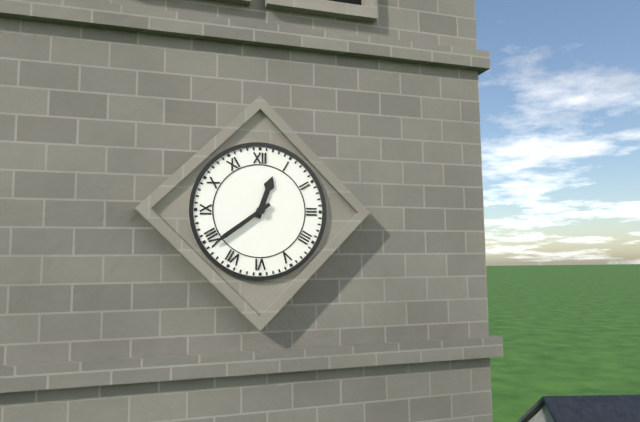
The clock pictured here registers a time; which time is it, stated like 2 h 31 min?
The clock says 12 h 39 min
